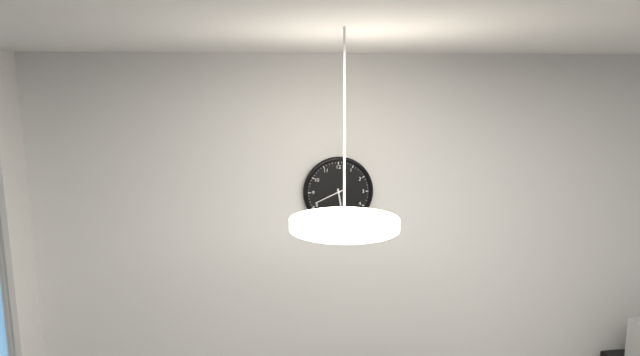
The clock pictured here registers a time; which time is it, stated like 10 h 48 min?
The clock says 5 h 41 min
